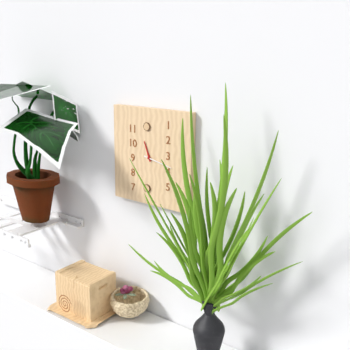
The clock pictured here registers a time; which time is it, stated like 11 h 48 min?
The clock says 11 h 17 min
